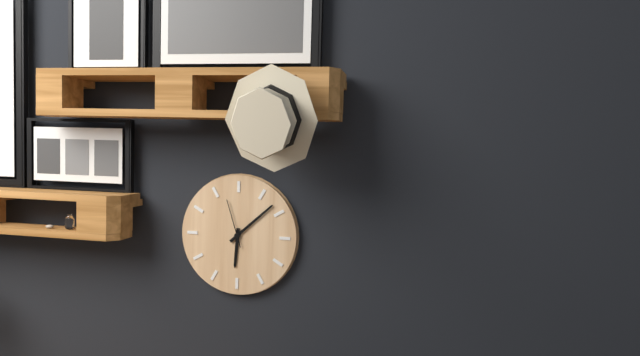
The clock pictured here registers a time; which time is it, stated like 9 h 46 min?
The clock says 6 h 08 min
